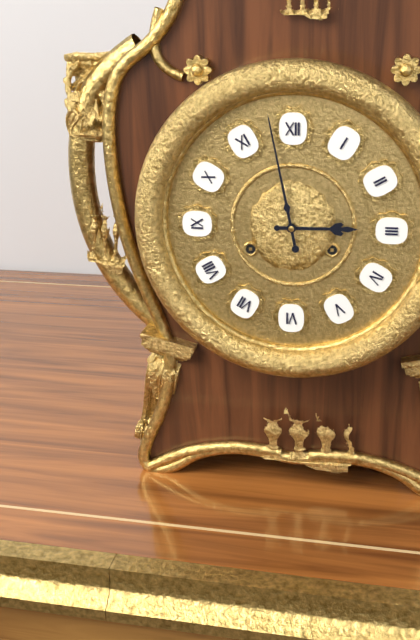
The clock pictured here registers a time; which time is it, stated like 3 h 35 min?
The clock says 2 h 58 min
